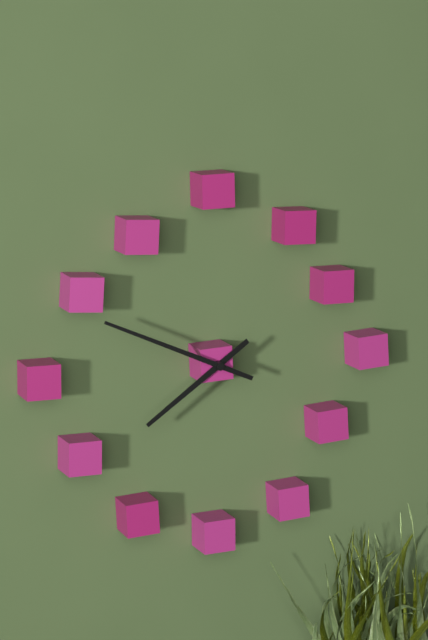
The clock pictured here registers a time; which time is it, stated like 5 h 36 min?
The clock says 7 h 49 min
